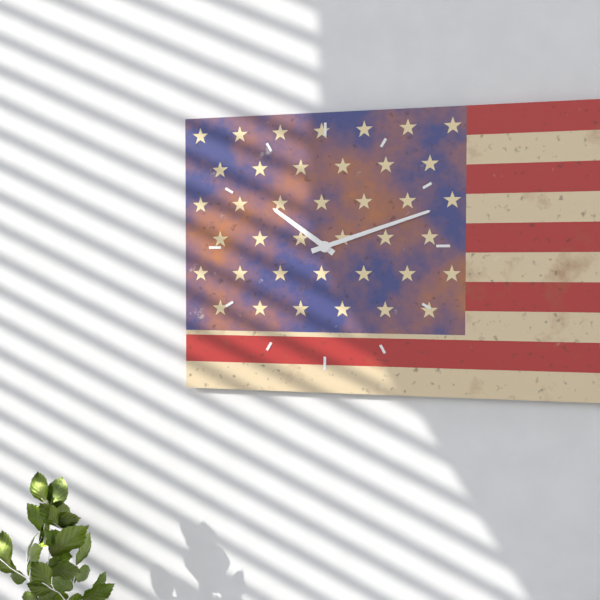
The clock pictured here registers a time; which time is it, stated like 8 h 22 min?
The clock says 10 h 12 min
